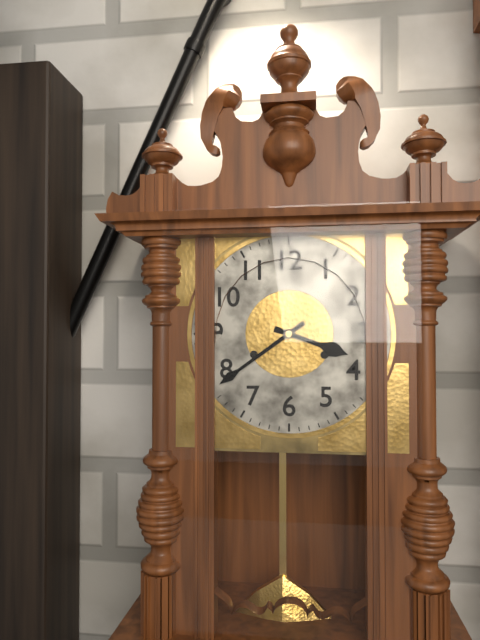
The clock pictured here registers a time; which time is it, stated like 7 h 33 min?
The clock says 3 h 39 min
